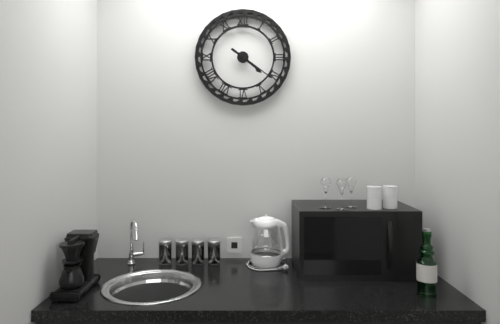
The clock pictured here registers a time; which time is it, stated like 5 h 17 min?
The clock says 4 h 21 min
